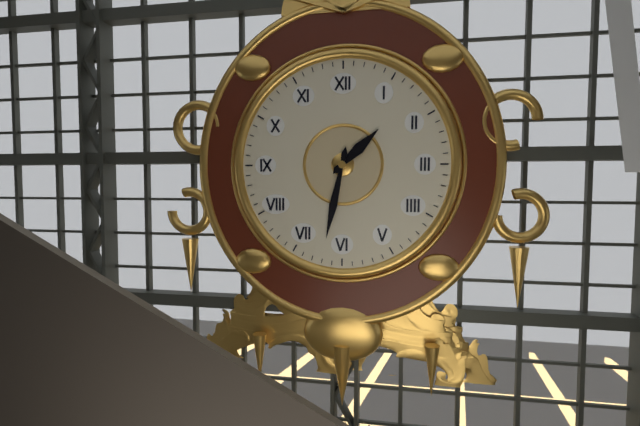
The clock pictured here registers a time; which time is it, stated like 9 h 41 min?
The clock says 1 h 32 min
